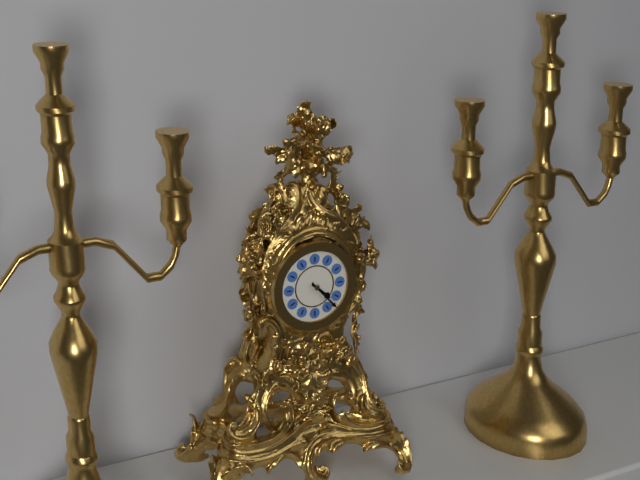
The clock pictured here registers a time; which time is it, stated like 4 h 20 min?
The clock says 4 h 23 min
